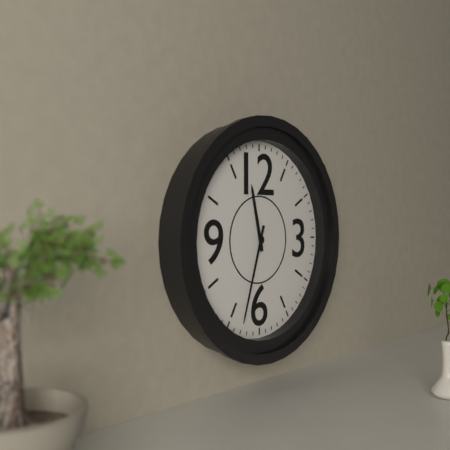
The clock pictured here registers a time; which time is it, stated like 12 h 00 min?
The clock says 11 h 33 min
